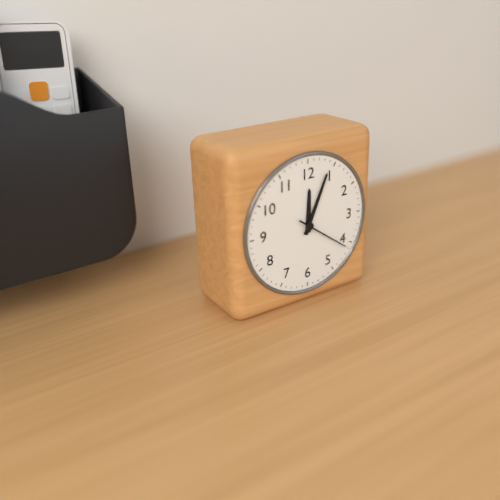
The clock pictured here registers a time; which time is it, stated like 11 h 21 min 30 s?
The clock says 12 h 04 min 21 s
